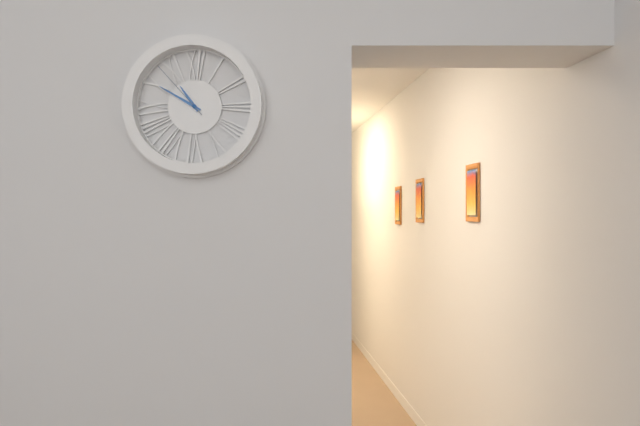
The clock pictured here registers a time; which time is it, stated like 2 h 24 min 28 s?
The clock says 10 h 50 min 53 s
